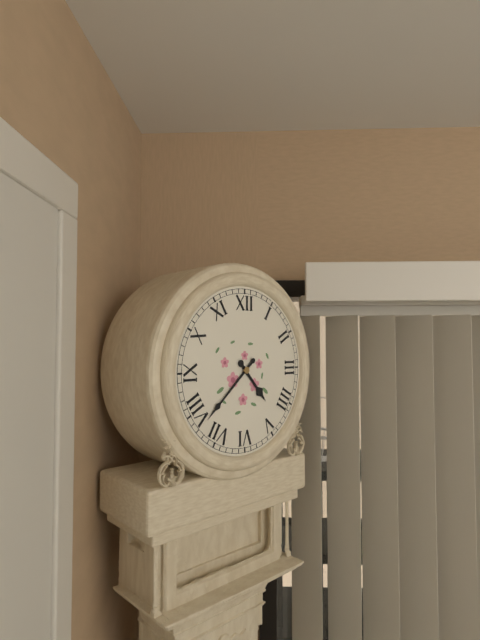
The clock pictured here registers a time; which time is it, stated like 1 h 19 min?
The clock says 4 h 38 min
